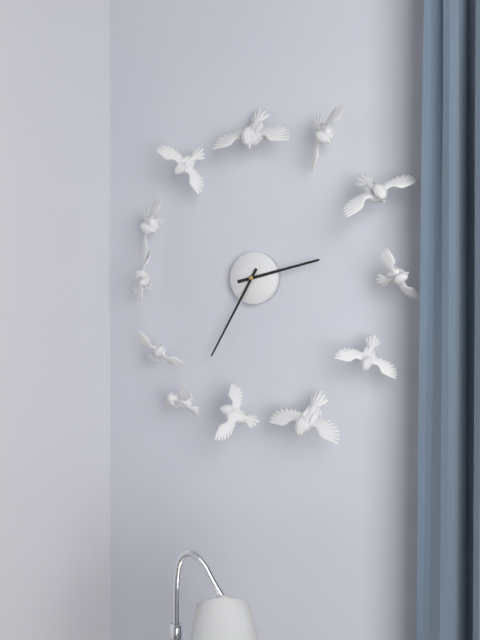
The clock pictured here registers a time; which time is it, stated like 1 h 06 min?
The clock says 2 h 35 min
